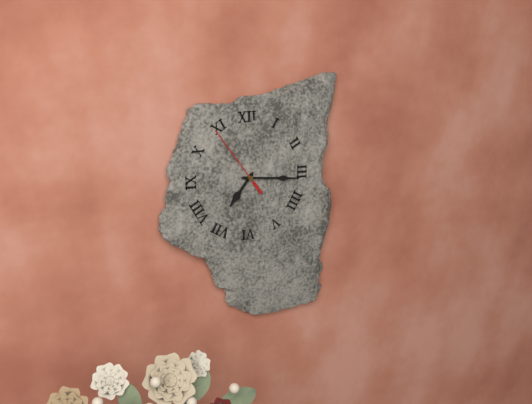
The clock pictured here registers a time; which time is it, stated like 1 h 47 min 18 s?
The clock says 7 h 16 min 54 s
